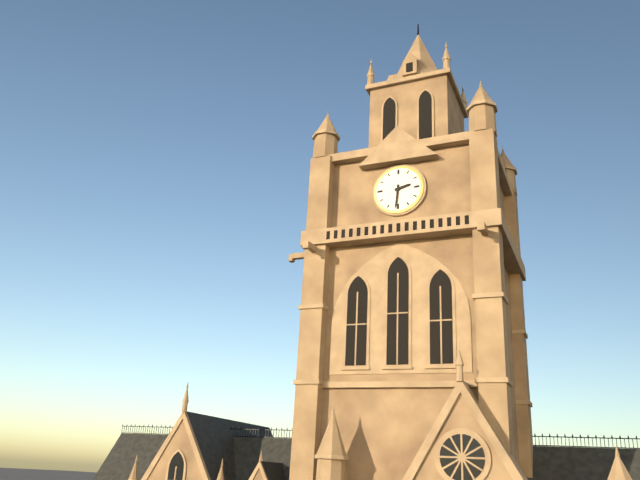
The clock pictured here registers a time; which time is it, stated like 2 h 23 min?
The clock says 2 h 31 min
